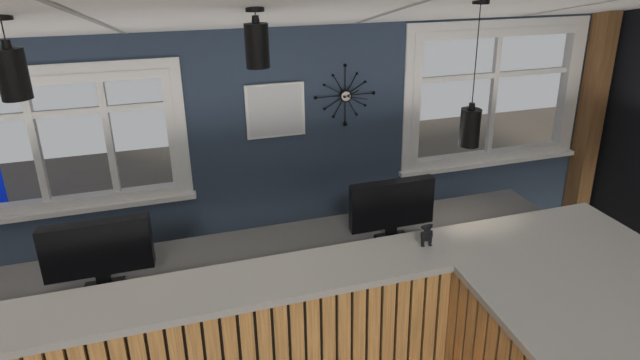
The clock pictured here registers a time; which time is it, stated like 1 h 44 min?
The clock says 2 h 17 min
